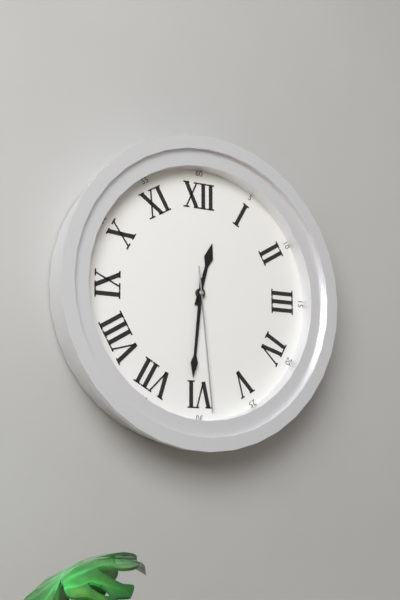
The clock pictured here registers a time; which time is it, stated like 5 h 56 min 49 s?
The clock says 12 h 31 min 29 s
